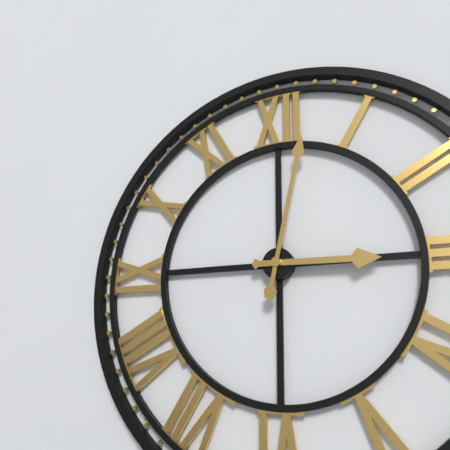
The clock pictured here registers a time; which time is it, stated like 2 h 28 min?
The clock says 3 h 02 min
